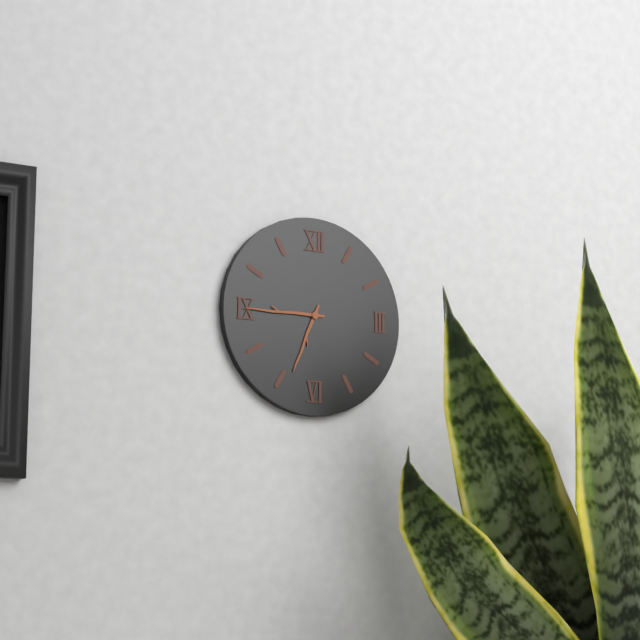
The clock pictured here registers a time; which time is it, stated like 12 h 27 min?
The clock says 6 h 45 min
